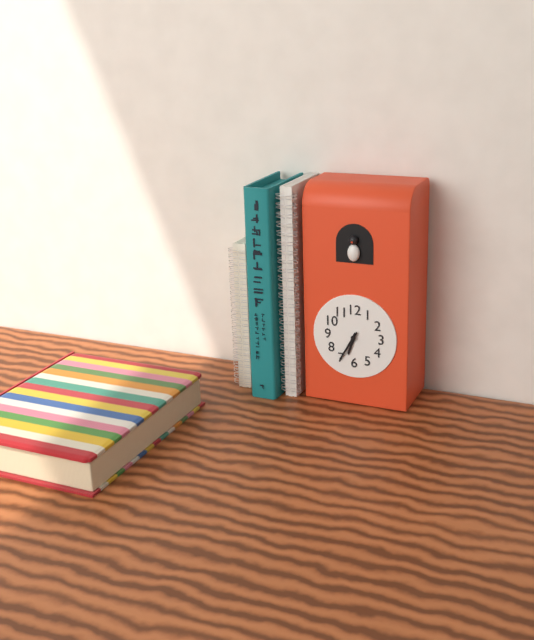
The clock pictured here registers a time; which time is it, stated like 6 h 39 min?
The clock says 6 h 35 min
